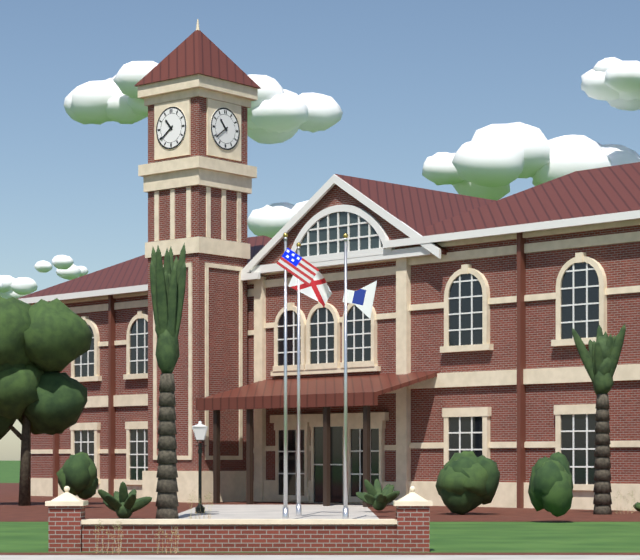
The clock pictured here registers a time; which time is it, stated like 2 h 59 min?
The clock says 10 h 39 min
